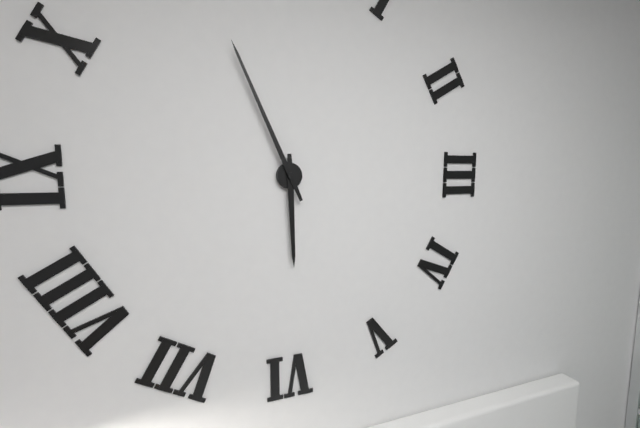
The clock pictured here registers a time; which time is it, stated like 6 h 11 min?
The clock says 5 h 56 min
